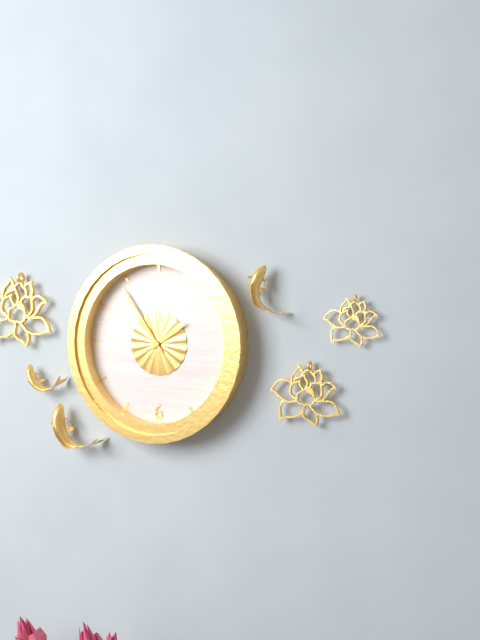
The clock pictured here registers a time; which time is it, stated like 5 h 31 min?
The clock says 1 h 54 min
